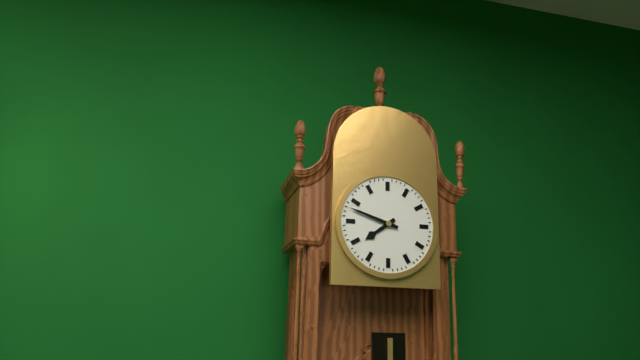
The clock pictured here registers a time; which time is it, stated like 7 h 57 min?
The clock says 7 h 48 min
